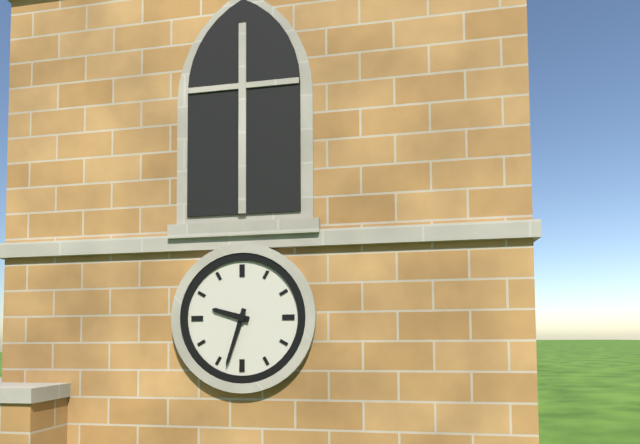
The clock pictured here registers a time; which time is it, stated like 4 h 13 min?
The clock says 9 h 33 min
